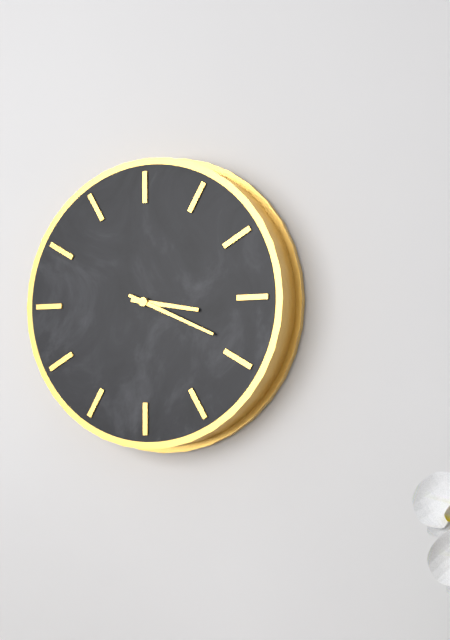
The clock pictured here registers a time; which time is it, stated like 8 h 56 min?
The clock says 3 h 19 min
